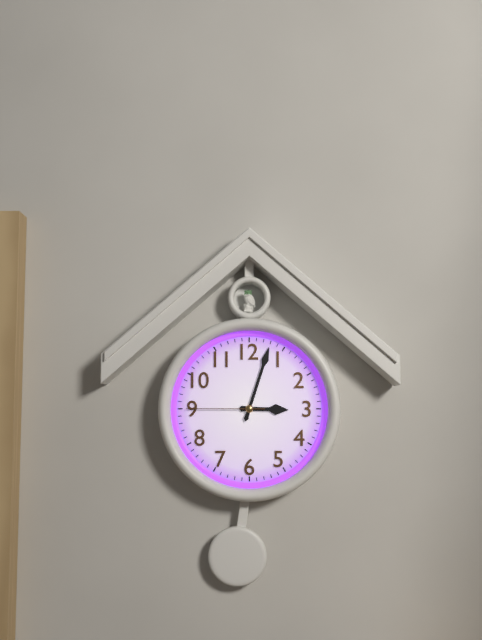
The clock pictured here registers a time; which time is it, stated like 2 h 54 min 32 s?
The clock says 3 h 03 min 45 s
